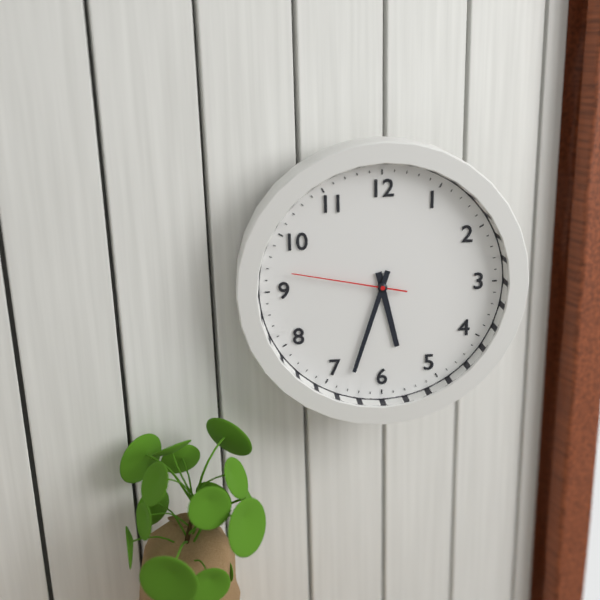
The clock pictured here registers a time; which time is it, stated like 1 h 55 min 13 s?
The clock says 5 h 33 min 47 s
